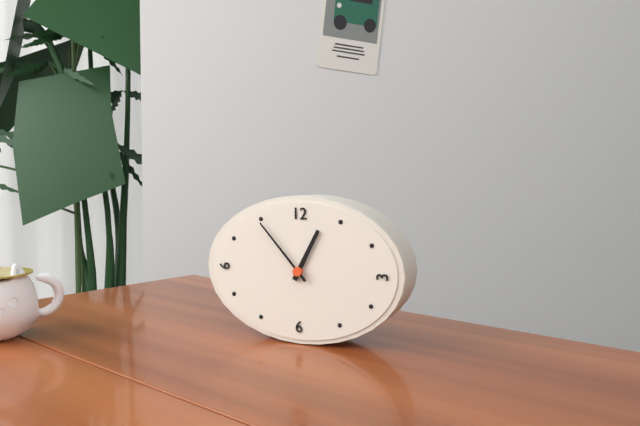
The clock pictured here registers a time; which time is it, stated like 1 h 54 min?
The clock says 12 h 53 min
